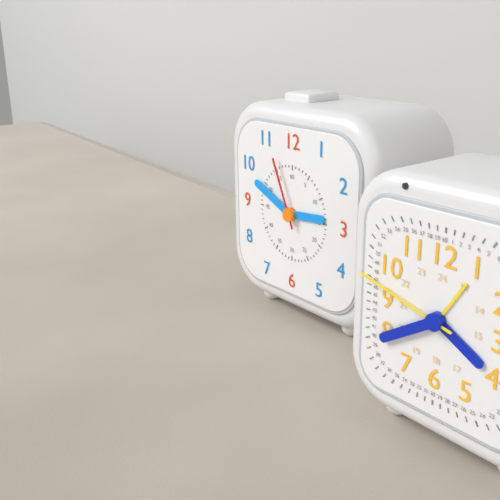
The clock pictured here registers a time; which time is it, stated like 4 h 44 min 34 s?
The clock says 2 h 49 min 56 s
